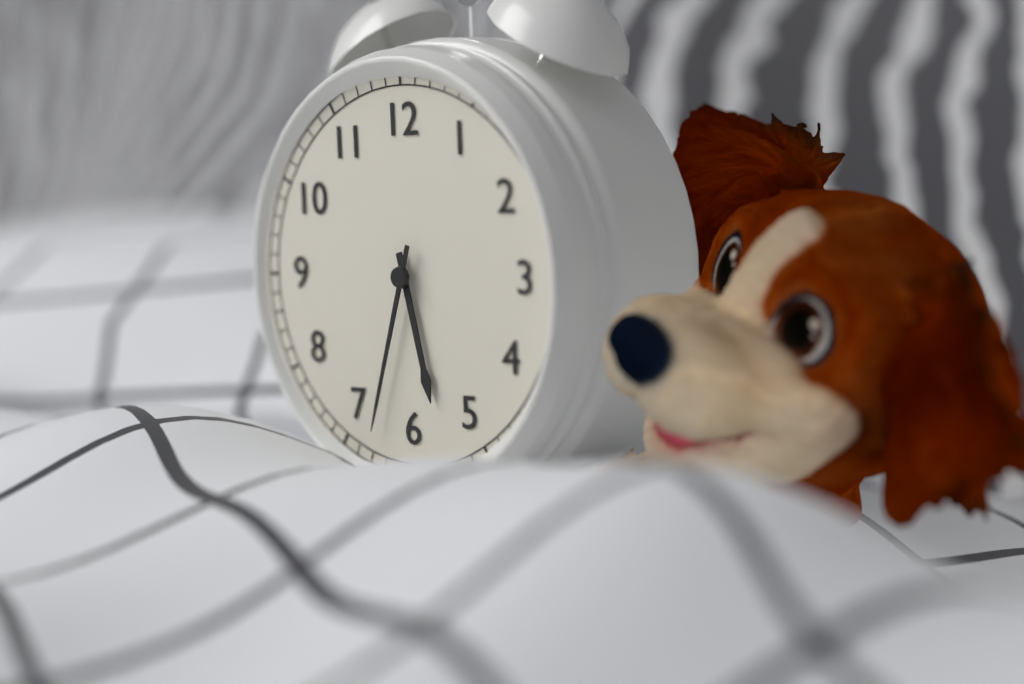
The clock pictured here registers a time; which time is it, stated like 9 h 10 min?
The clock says 5 h 33 min
